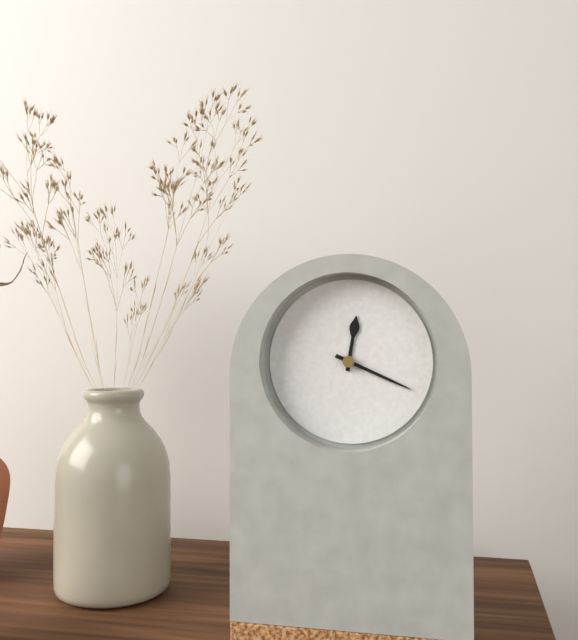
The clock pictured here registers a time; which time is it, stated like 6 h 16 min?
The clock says 12 h 19 min
